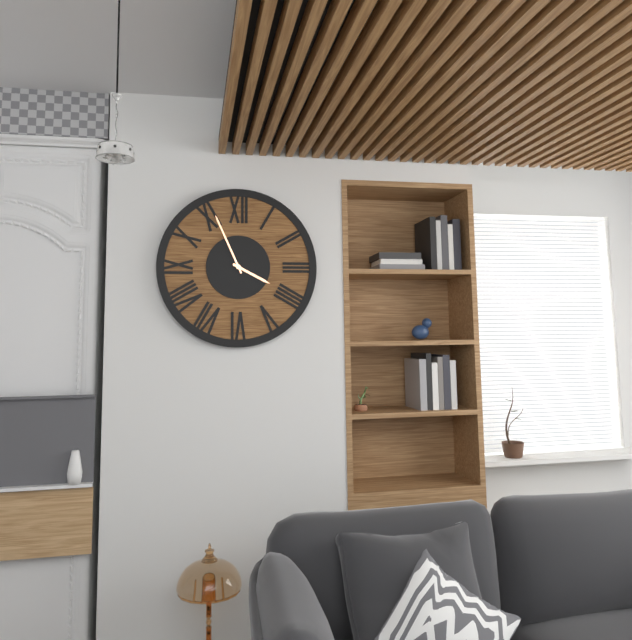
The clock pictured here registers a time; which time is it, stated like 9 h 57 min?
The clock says 3 h 56 min
